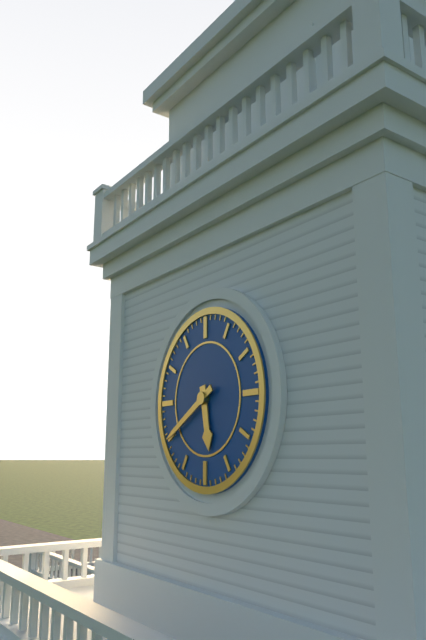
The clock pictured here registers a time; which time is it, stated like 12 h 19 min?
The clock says 5 h 40 min
